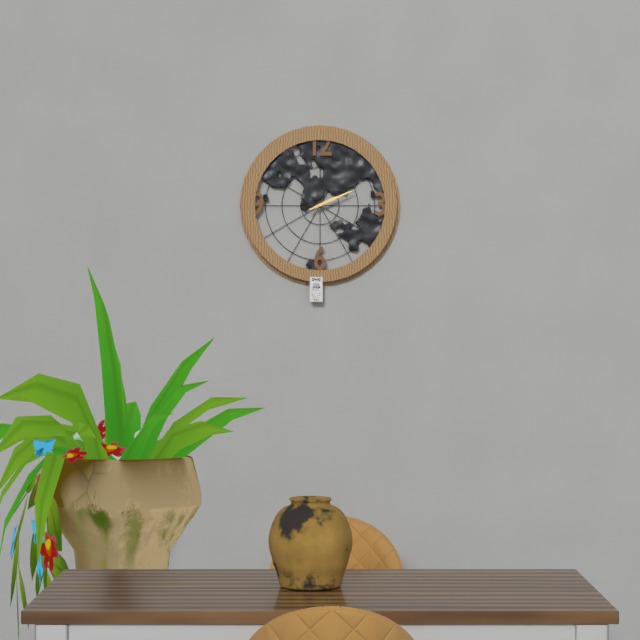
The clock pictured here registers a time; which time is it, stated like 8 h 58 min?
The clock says 2 h 11 min
